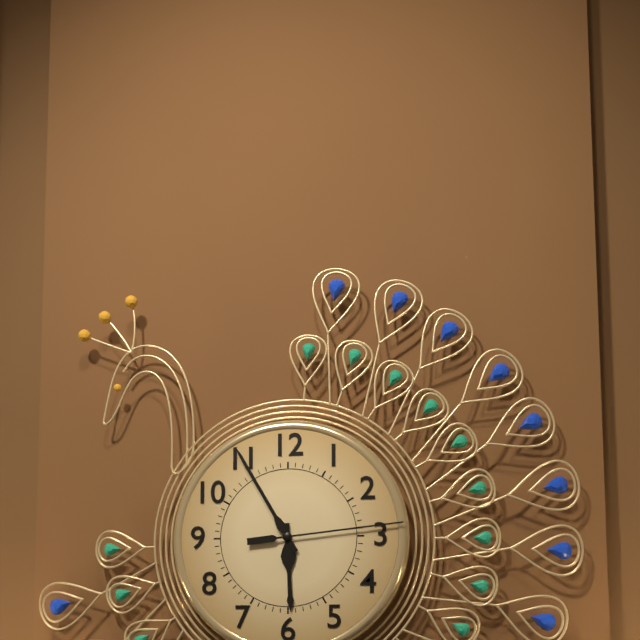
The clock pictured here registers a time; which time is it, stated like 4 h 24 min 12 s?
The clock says 5 h 55 min 14 s
